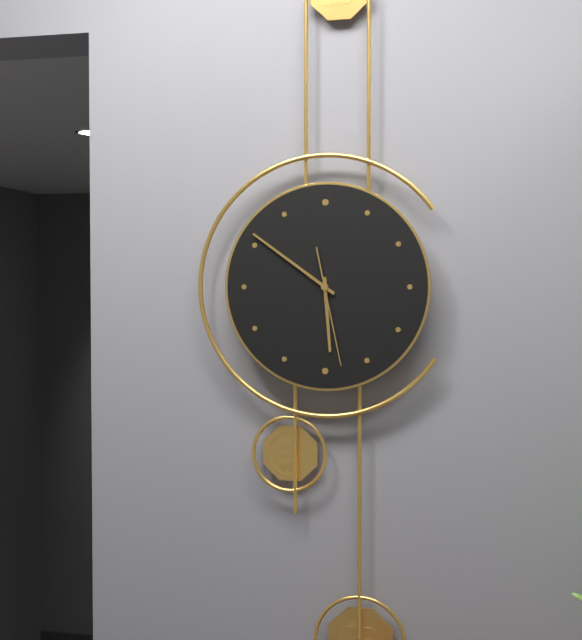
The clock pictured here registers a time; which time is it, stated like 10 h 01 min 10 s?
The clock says 5 h 51 min 28 s
